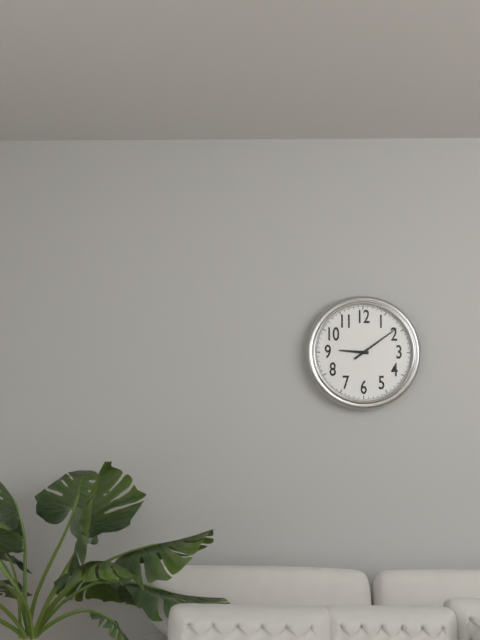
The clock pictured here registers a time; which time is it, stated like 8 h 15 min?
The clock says 9 h 09 min
